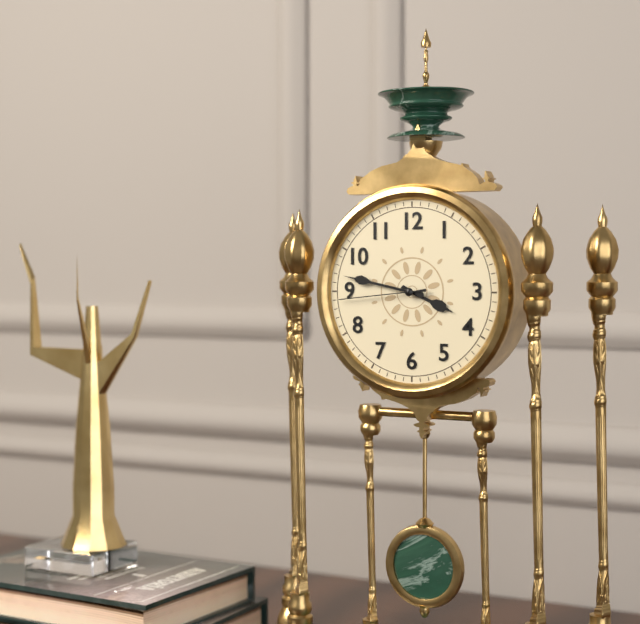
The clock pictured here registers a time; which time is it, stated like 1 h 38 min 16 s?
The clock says 3 h 47 min 44 s
